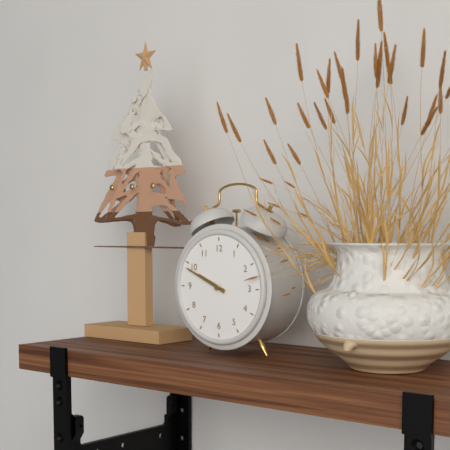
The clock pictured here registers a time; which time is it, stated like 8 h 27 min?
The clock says 9 h 49 min
